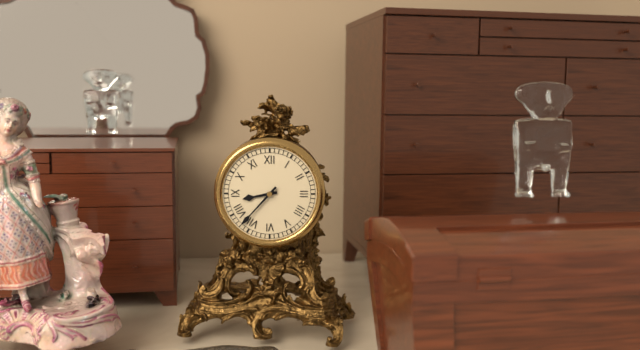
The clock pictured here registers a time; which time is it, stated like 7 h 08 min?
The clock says 8 h 37 min
